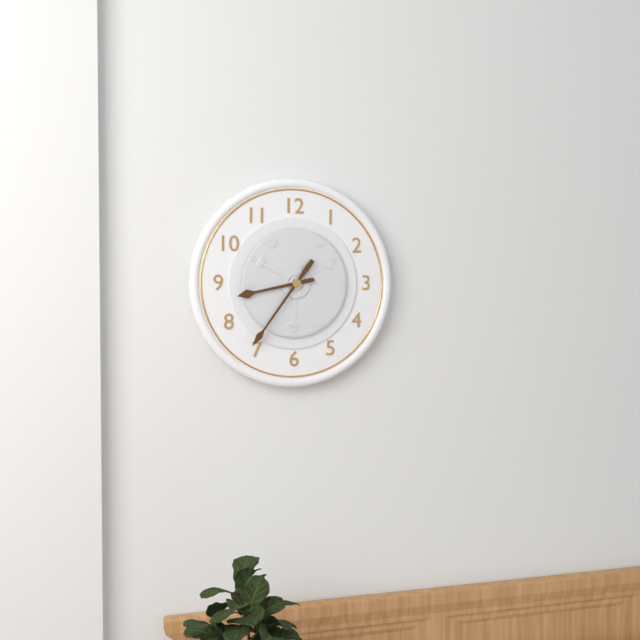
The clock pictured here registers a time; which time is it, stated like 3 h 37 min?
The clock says 8 h 36 min
